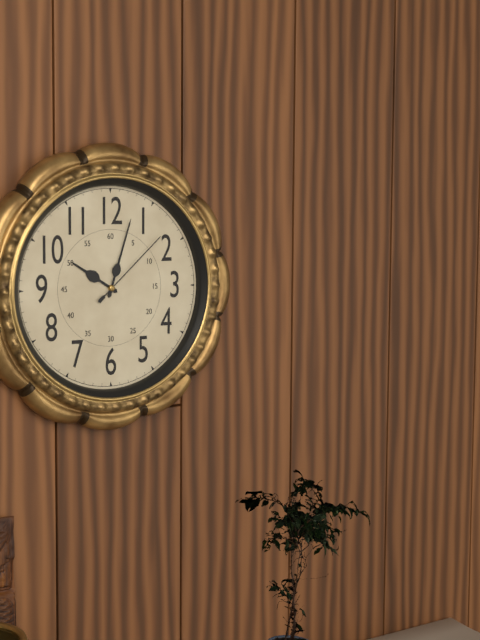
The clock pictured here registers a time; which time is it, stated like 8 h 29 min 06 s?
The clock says 10 h 03 min 08 s
